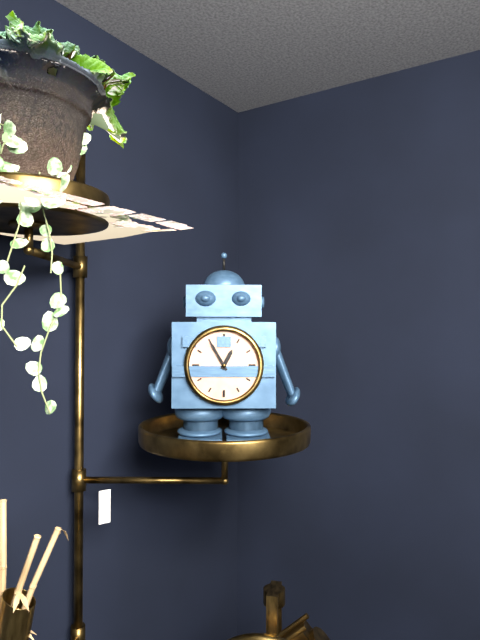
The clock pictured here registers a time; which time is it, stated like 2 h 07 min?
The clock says 12 h 55 min
